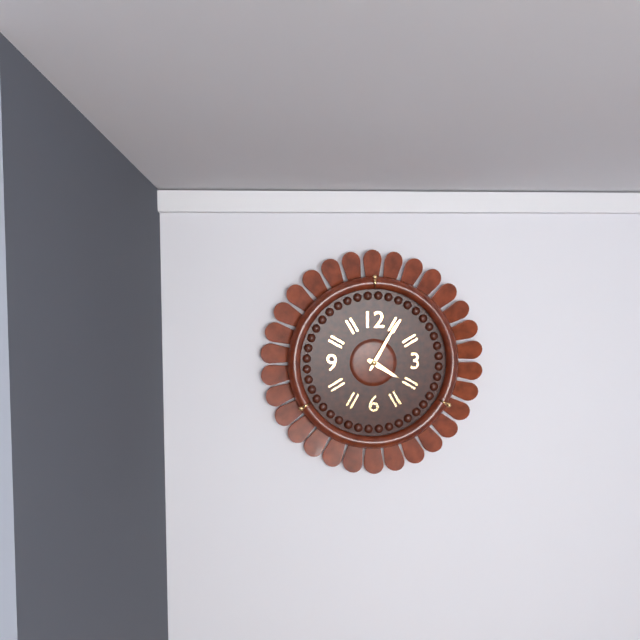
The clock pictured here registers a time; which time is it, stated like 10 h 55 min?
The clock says 4 h 05 min
